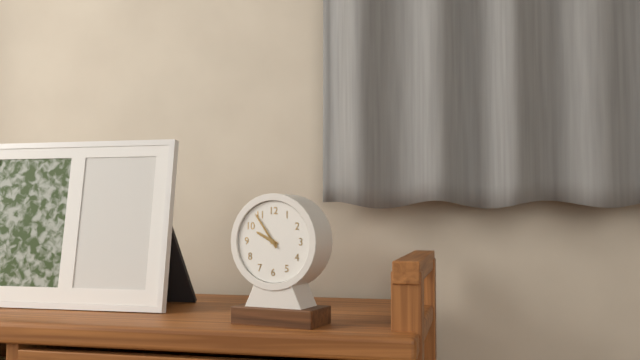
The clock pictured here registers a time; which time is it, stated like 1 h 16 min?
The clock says 9 h 54 min
